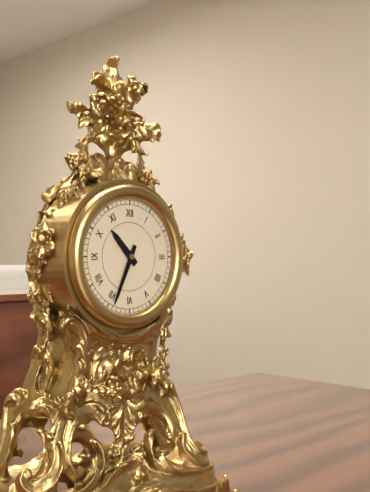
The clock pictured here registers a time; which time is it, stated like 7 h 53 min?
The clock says 10 h 34 min
